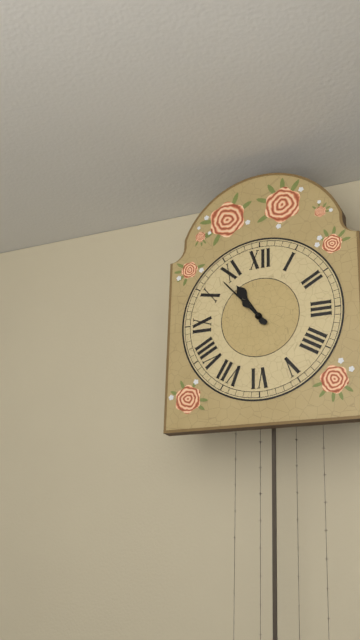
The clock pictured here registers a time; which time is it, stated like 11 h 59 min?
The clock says 10 h 53 min
